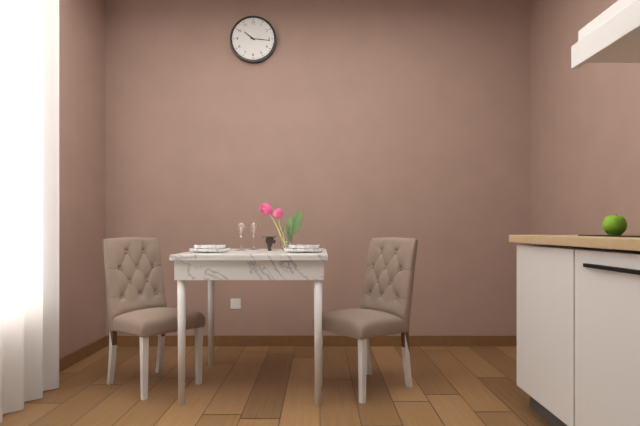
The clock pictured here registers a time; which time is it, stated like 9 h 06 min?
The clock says 10 h 16 min
